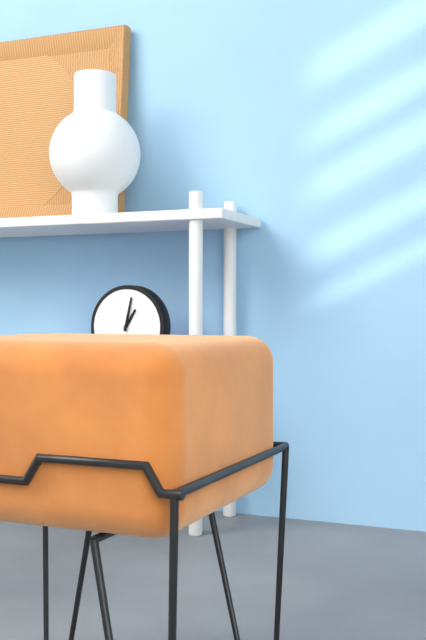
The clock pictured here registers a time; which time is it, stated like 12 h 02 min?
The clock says 1 h 02 min
